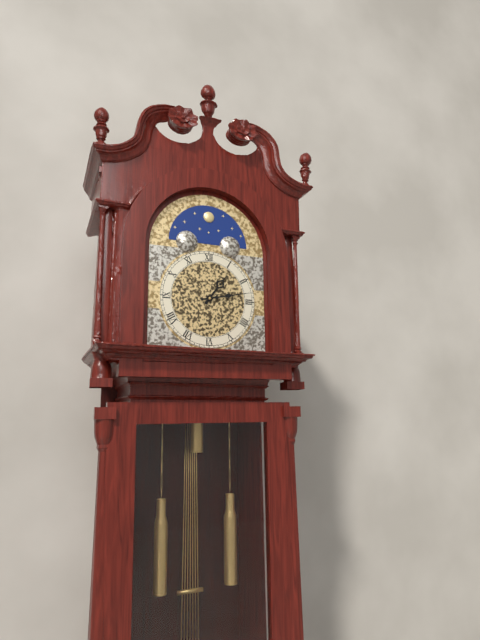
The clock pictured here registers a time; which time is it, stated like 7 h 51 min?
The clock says 1 h 13 min
